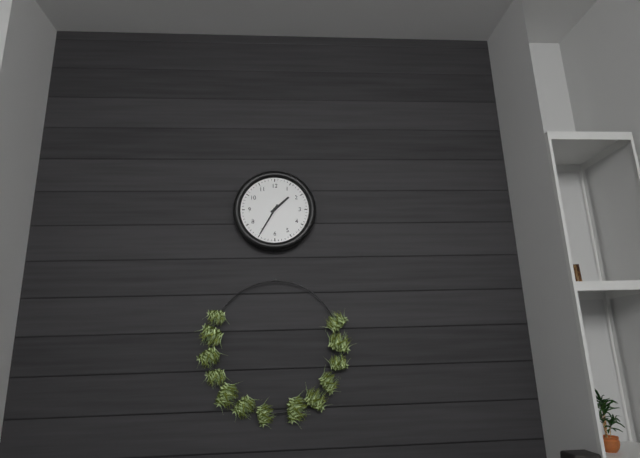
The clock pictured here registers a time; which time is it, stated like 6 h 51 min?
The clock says 1 h 35 min
